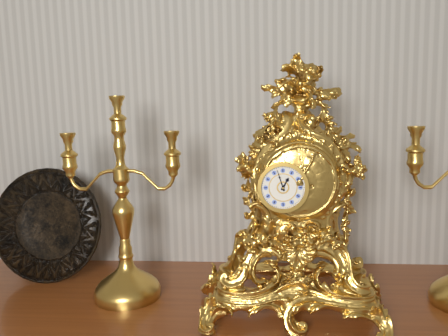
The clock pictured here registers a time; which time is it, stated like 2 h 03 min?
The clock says 12 h 57 min
